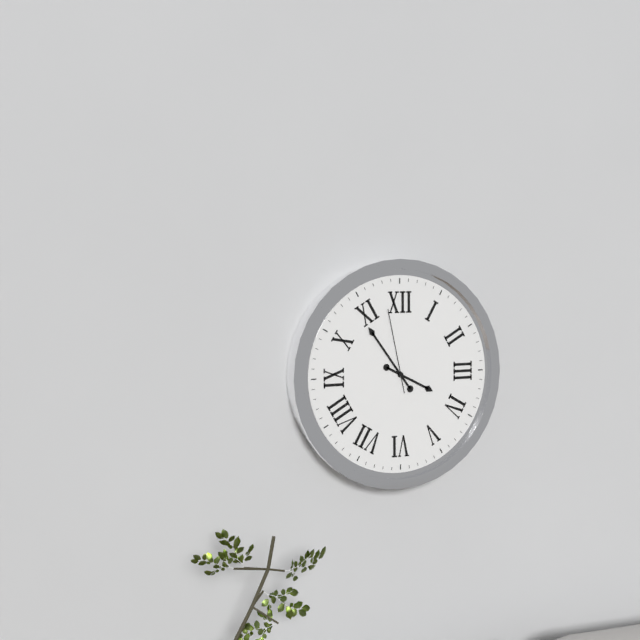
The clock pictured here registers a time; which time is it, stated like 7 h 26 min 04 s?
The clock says 3 h 54 min 58 s
